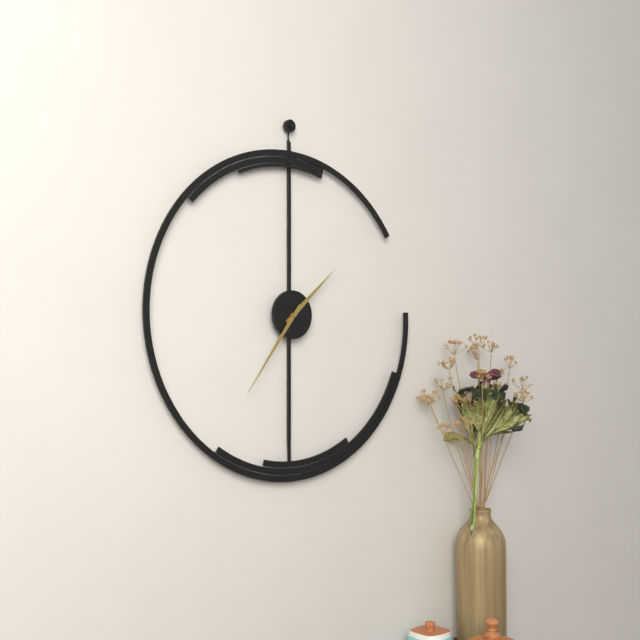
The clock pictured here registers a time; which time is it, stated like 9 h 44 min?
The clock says 1 h 36 min
